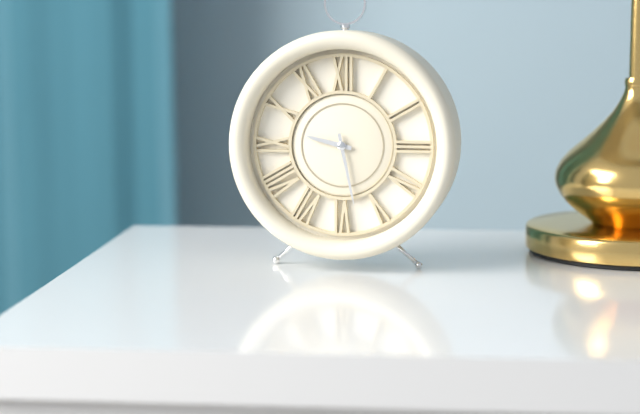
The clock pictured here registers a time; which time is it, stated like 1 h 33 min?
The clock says 9 h 28 min
